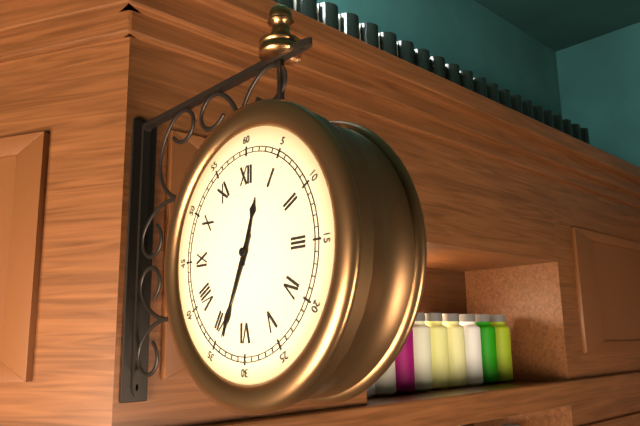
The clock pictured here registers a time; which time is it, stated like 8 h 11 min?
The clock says 12 h 34 min
